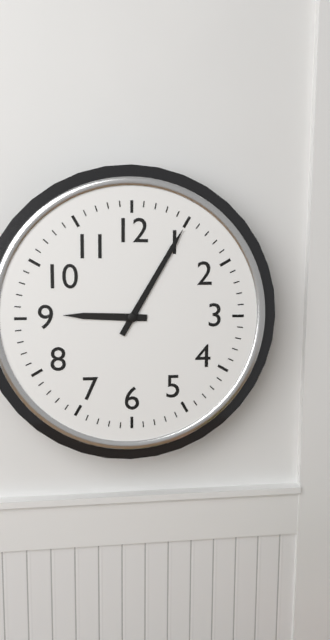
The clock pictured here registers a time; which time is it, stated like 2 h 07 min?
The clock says 9 h 05 min
